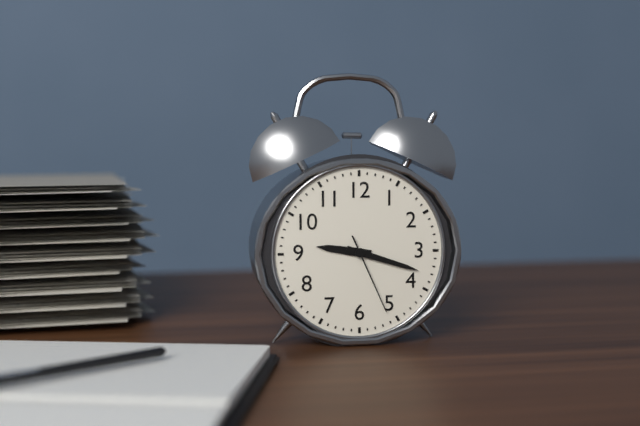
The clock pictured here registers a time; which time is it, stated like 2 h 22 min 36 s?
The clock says 9 h 18 min 26 s
